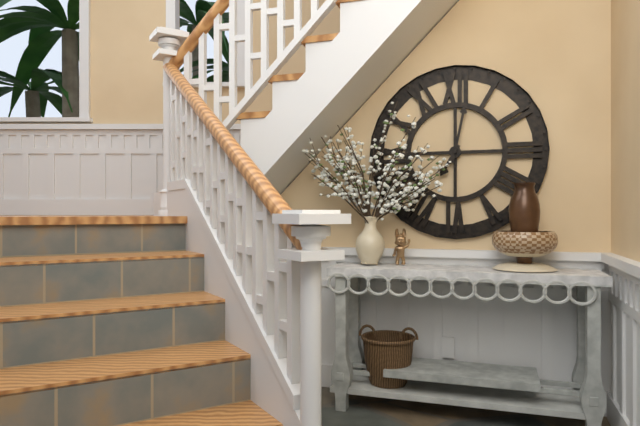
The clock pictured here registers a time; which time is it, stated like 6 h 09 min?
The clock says 7 h 02 min
